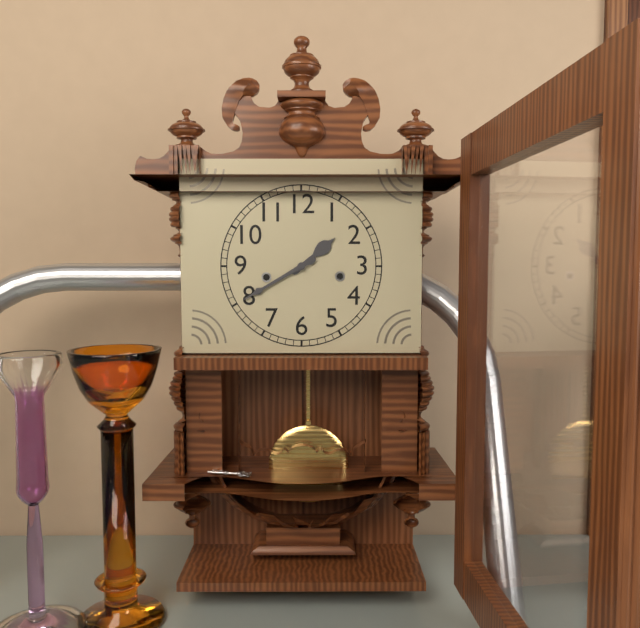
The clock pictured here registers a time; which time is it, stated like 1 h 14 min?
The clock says 1 h 40 min
